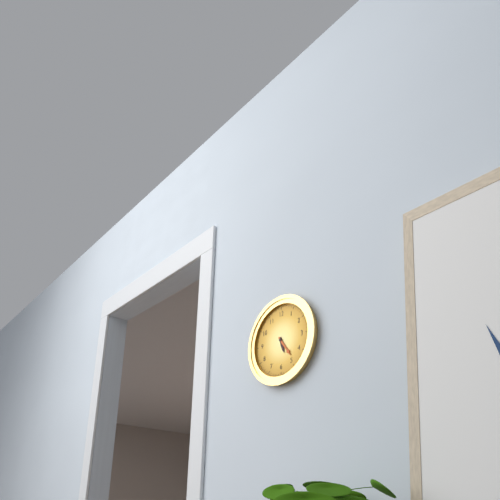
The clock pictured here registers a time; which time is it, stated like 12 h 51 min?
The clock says 5 h 24 min
